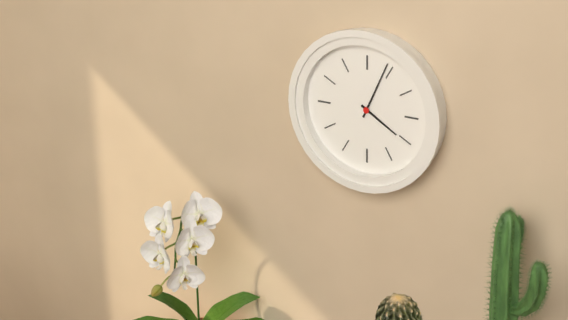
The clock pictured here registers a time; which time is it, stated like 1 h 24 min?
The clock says 4 h 04 min
